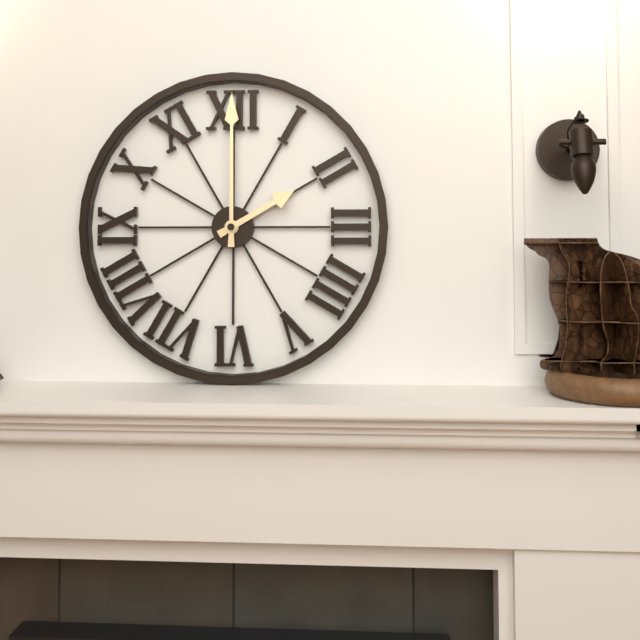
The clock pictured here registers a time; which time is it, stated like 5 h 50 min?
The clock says 2 h 00 min
